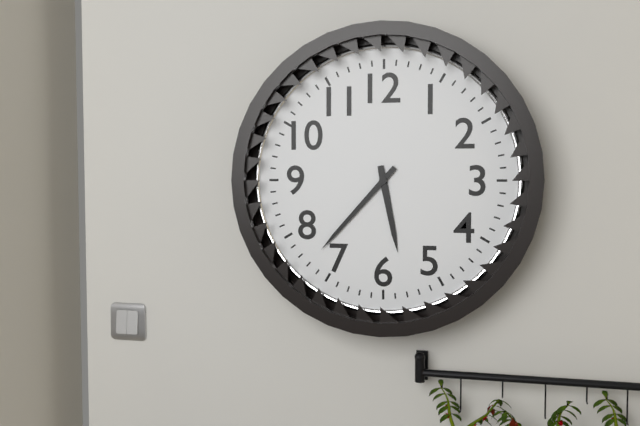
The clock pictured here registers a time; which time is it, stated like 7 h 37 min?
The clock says 5 h 37 min
